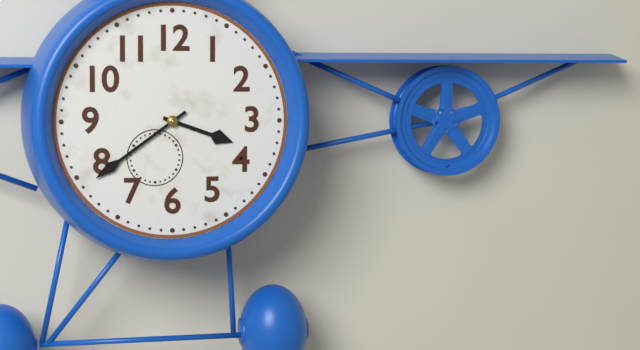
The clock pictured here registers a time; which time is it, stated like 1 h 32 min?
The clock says 3 h 39 min
